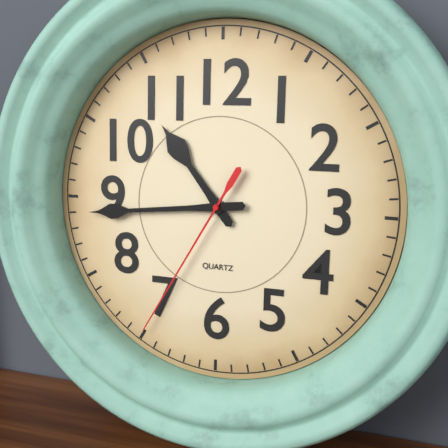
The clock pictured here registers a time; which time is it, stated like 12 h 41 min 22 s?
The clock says 10 h 44 min 35 s
